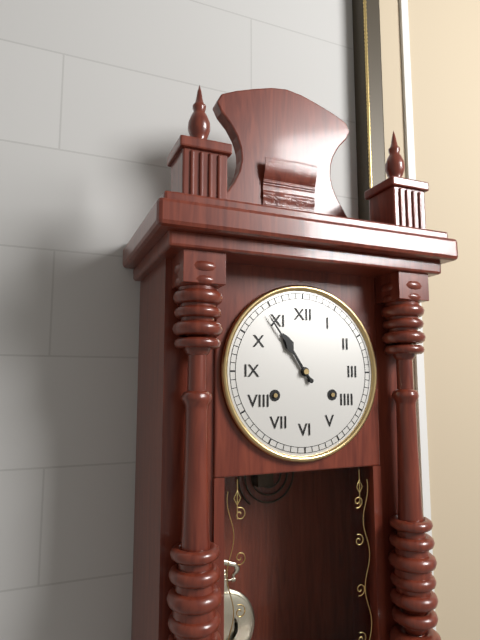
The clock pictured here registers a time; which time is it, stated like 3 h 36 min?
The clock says 10 h 54 min
